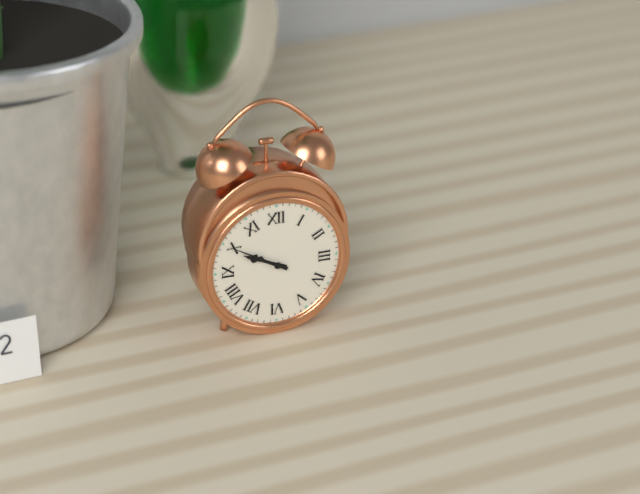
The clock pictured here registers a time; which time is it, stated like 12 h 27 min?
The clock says 9 h 50 min
